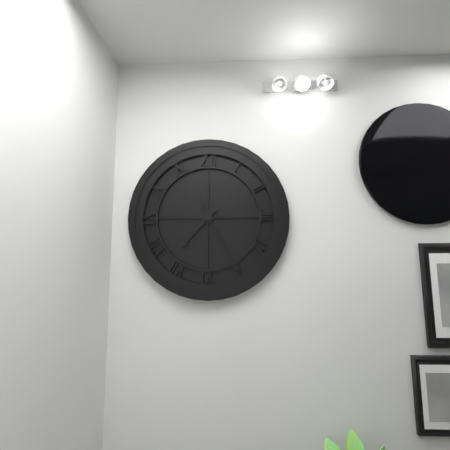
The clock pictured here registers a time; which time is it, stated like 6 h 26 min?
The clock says 7 h 25 min
